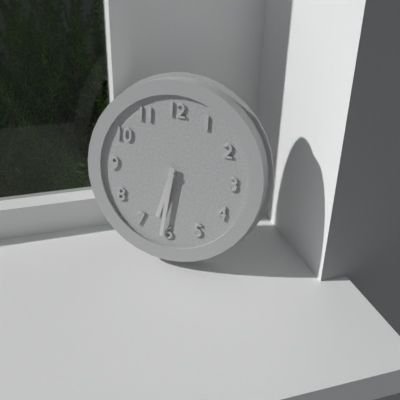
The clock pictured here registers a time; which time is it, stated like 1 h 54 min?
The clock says 6 h 31 min
